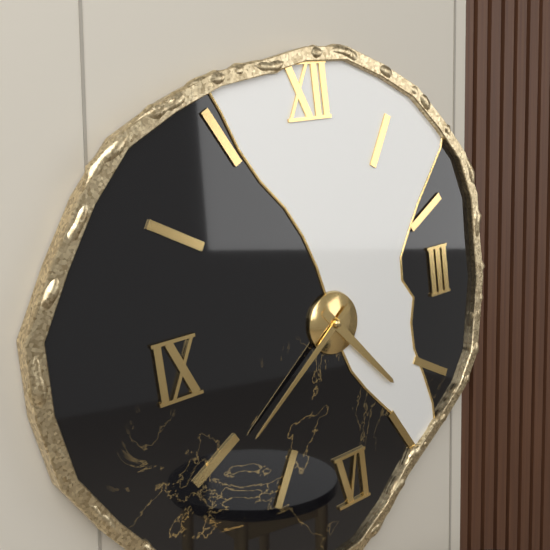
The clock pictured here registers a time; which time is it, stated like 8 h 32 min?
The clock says 4 h 39 min
